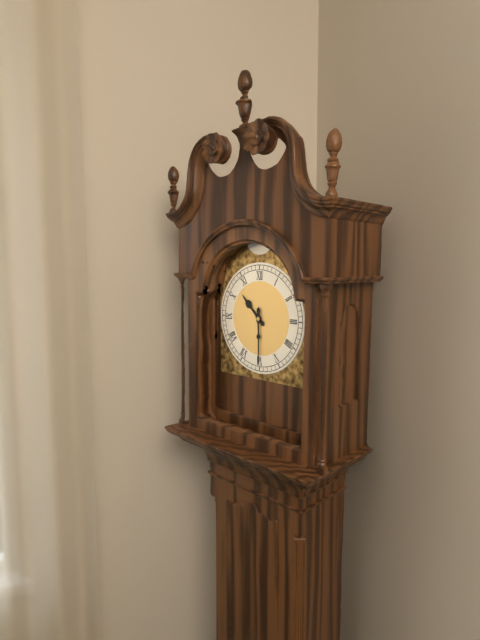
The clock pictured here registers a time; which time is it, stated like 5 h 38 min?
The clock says 10 h 30 min
